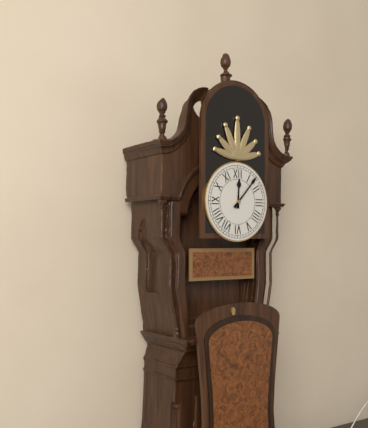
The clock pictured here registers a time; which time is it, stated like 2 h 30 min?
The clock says 12 h 07 min
